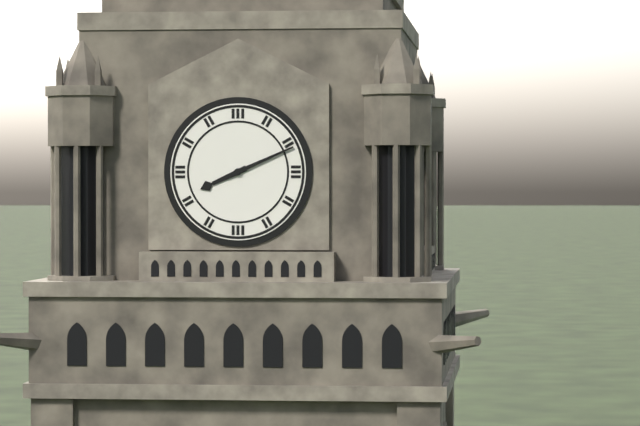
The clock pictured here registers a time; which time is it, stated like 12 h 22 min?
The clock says 8 h 11 min
